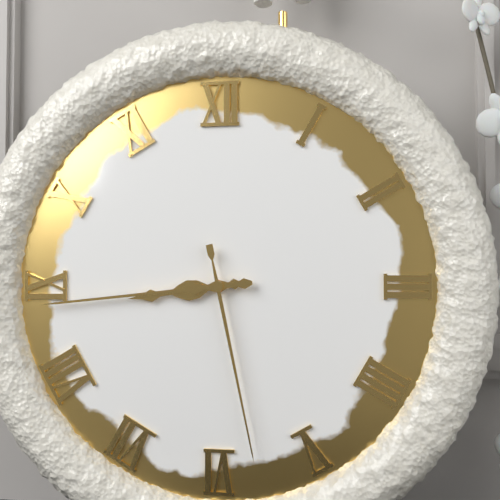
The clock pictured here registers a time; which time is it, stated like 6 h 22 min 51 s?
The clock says 8 h 44 min 28 s
